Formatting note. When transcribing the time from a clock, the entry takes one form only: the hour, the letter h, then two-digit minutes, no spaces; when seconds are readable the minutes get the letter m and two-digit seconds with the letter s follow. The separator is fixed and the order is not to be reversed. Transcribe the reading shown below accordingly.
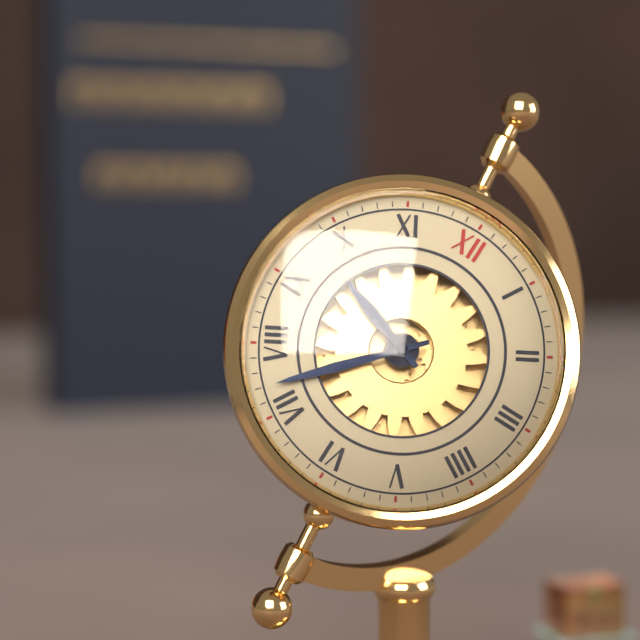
9h37
